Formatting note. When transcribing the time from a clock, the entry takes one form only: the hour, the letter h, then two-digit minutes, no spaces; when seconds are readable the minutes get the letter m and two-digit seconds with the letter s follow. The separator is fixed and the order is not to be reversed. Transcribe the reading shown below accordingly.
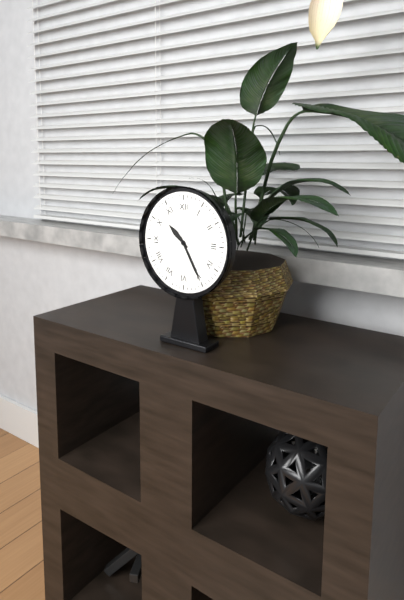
10h25
